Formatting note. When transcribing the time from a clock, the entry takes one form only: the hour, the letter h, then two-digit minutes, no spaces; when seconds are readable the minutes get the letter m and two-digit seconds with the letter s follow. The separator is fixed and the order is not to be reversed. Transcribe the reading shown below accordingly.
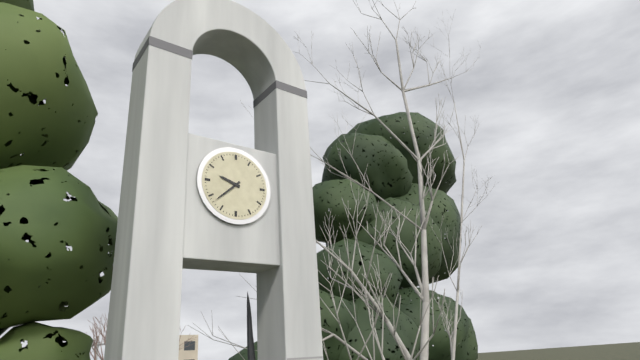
9h38
